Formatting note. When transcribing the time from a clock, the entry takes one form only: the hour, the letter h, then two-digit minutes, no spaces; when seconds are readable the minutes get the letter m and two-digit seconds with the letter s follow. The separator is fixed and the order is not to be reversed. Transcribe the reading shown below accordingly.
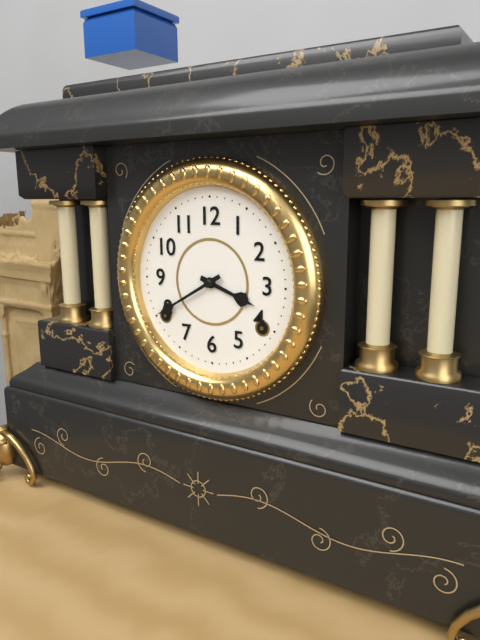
3h40
